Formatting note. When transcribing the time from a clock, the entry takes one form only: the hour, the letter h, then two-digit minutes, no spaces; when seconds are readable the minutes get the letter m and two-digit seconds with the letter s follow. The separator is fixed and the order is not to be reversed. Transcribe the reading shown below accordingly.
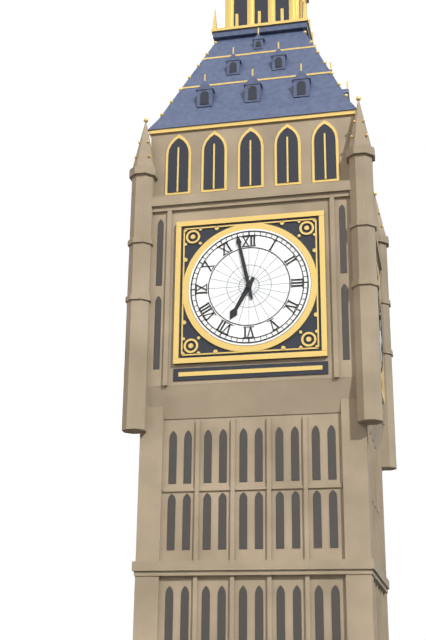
6h58
